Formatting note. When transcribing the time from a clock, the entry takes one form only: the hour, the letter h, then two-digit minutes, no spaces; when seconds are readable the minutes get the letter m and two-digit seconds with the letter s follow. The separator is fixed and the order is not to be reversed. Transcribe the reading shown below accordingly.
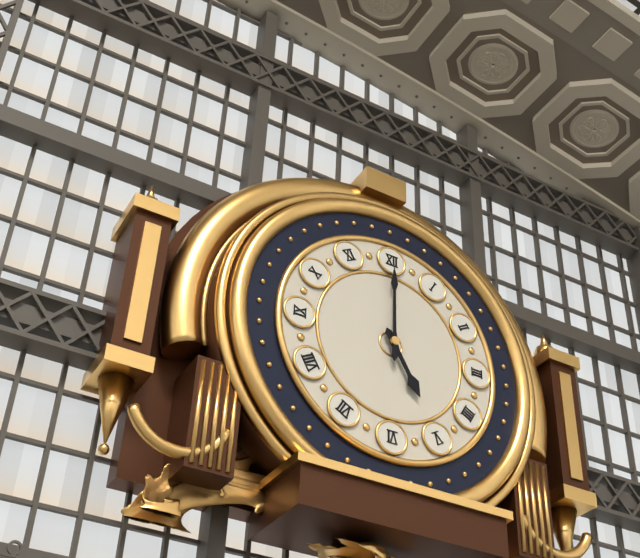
5h00
